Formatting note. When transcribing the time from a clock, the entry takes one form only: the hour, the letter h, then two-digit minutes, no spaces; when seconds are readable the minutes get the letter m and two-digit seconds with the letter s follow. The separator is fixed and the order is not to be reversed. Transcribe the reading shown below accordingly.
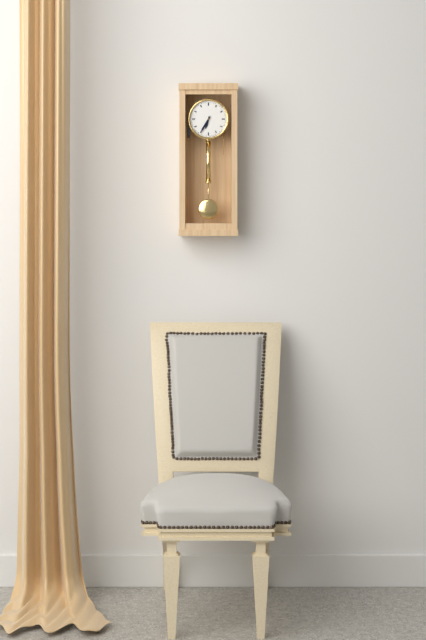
6h35
